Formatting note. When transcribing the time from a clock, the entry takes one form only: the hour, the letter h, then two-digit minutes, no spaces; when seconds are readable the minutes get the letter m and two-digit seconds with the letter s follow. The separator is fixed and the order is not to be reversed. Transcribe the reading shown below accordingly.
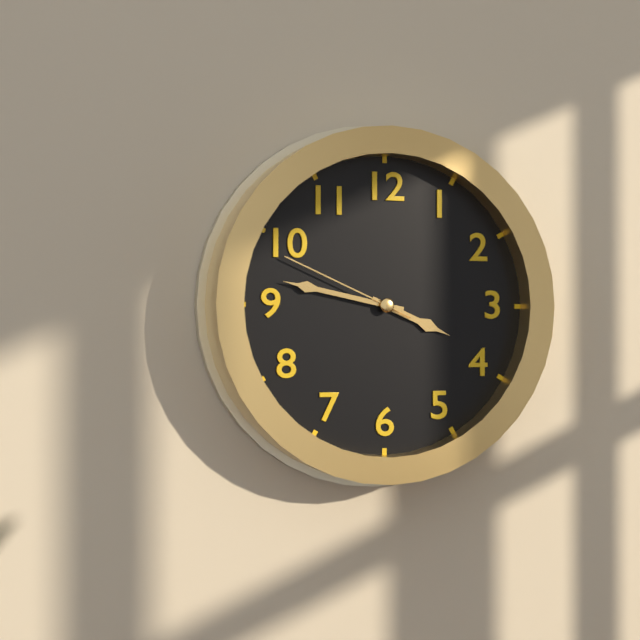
3h47m49s
